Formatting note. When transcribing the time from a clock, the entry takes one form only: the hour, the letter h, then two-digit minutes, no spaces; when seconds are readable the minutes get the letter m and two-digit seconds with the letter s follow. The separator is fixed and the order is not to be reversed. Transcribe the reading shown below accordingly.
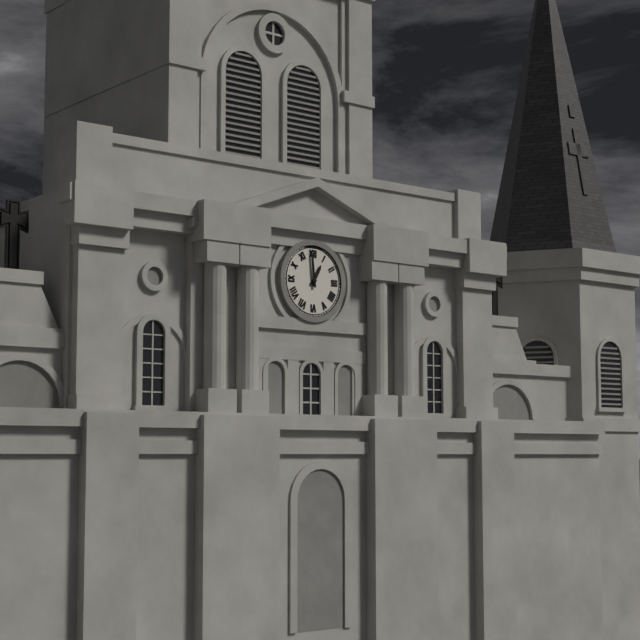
12h59
